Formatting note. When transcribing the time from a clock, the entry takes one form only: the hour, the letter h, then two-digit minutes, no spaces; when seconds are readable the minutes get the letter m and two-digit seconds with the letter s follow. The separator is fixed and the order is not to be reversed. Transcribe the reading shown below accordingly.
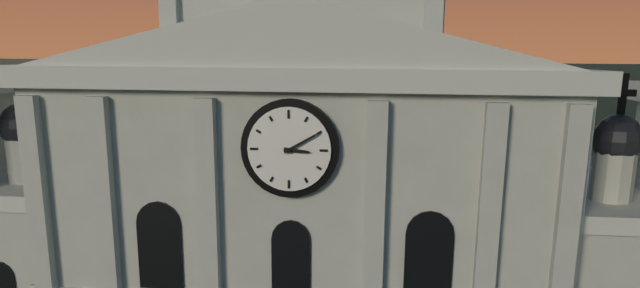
3h10
